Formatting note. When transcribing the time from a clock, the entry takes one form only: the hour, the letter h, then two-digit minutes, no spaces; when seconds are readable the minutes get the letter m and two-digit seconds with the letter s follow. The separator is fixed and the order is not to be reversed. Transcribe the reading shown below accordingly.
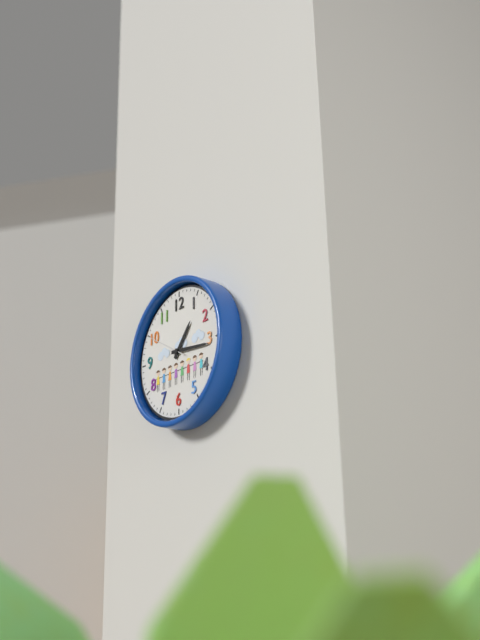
1h16
